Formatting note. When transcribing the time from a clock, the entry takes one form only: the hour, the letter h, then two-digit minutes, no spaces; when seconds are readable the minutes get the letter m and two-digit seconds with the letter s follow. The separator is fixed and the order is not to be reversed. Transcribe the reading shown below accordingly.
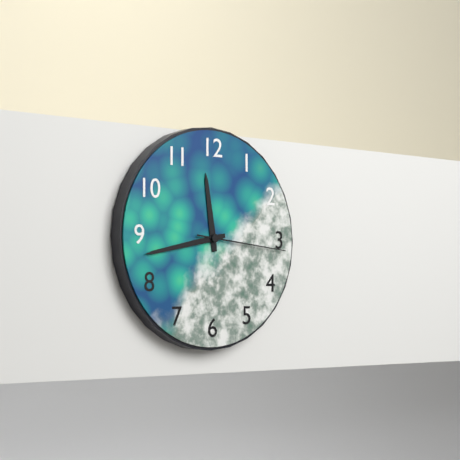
11h43m16s
